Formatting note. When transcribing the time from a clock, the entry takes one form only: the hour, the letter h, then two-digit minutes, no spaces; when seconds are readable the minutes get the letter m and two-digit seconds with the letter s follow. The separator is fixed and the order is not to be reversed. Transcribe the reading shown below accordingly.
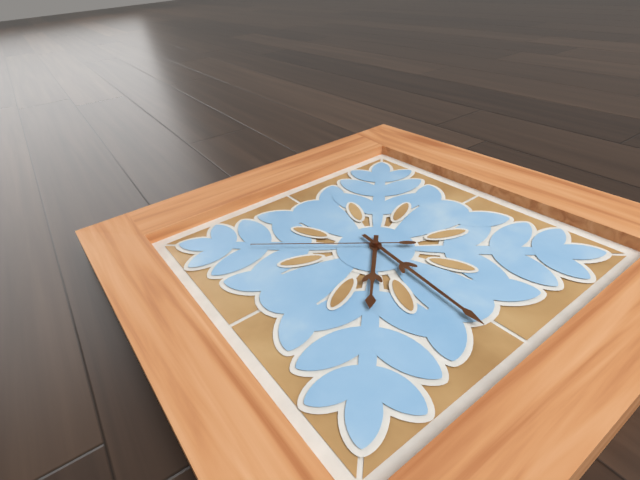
7h31m52s
